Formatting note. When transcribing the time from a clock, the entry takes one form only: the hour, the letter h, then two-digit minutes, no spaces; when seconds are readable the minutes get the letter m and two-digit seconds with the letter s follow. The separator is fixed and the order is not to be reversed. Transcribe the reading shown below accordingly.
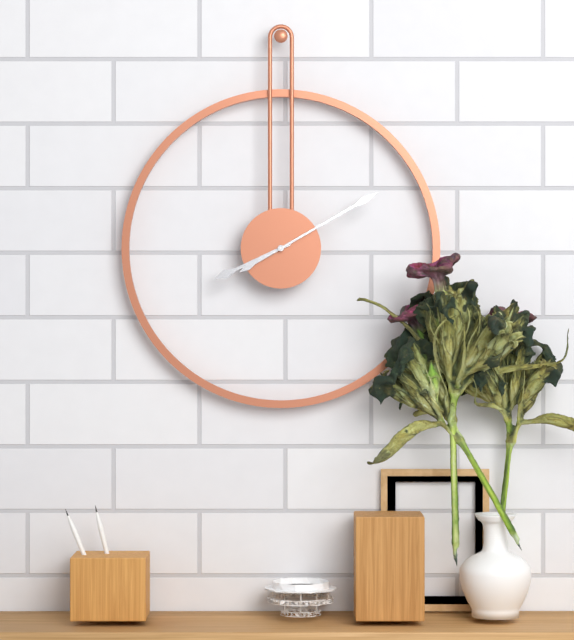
8h10
